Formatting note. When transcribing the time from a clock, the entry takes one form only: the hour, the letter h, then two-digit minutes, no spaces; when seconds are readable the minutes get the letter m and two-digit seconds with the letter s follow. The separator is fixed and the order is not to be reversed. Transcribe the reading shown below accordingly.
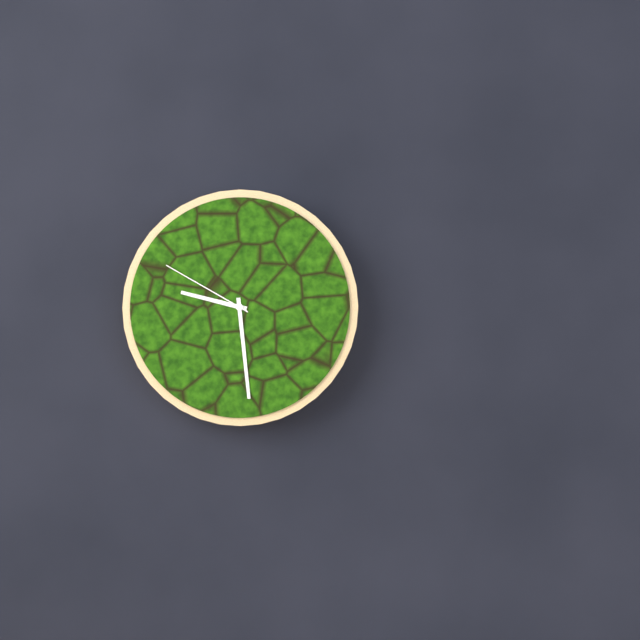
9h29m50s
